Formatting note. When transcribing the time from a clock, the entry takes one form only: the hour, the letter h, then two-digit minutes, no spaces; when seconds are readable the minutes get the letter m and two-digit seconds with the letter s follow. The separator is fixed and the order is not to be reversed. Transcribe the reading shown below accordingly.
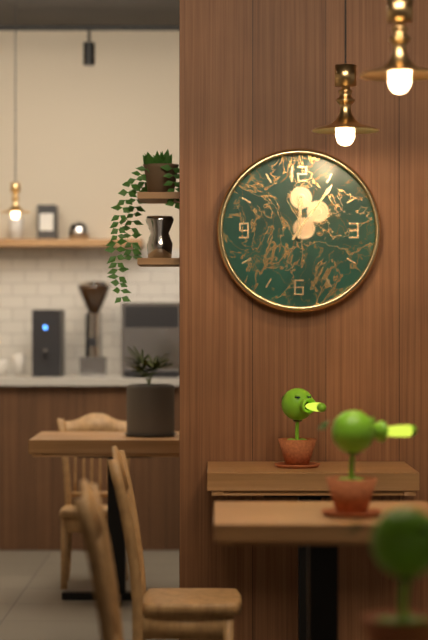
12h06
